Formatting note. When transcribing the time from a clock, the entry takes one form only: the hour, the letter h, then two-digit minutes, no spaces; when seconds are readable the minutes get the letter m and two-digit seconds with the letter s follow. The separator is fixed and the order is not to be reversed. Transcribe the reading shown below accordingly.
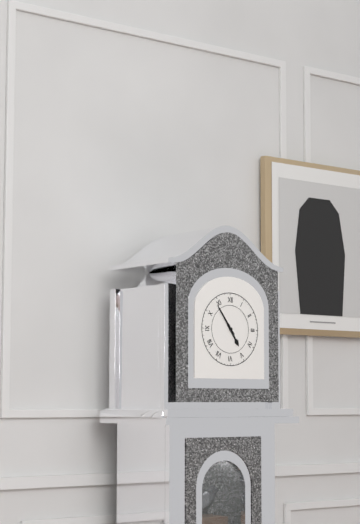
4h54
